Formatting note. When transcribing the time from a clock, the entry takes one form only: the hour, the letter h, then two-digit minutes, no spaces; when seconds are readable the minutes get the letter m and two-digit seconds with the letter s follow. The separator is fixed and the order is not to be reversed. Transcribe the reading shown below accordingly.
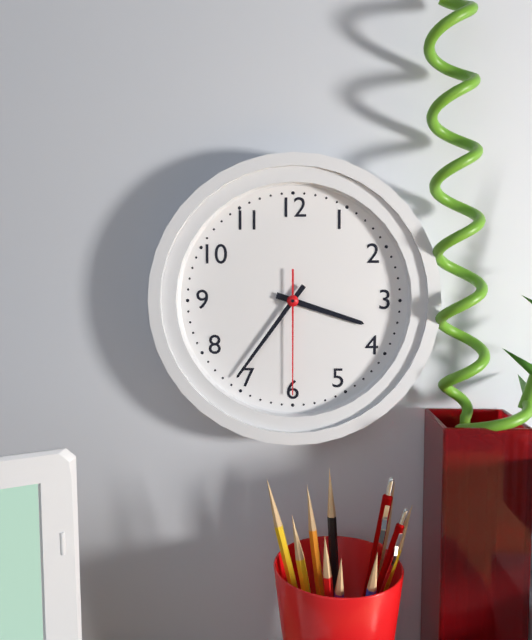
3h36m30s
